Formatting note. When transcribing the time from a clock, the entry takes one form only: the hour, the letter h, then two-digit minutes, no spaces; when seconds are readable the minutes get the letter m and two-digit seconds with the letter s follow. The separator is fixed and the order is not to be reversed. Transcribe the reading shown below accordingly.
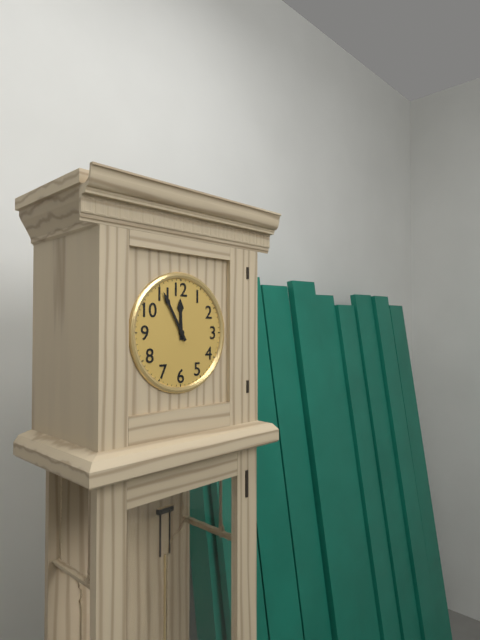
11h55
